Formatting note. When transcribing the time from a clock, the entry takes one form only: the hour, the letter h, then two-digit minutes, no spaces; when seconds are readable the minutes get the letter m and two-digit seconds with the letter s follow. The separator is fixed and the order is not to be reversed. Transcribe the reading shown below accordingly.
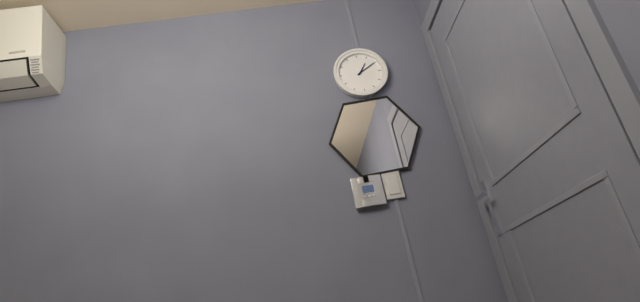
1h10
